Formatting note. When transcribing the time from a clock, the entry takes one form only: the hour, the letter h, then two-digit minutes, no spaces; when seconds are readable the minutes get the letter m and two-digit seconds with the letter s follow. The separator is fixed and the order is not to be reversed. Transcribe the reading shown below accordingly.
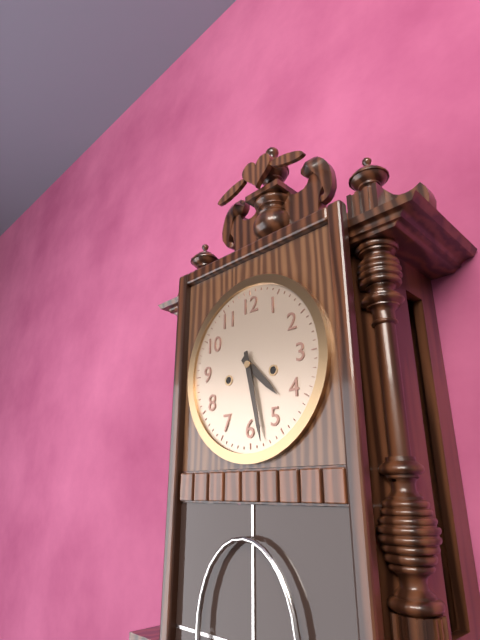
4h28
